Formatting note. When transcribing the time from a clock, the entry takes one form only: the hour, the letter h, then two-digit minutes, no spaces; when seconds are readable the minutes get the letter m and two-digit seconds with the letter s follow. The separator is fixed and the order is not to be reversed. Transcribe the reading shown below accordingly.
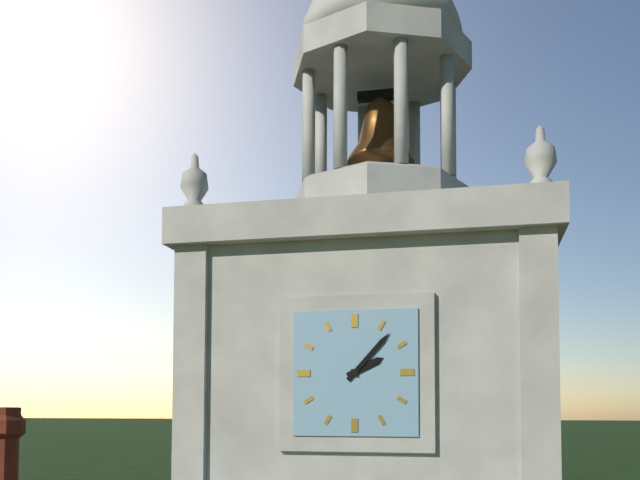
2h07
